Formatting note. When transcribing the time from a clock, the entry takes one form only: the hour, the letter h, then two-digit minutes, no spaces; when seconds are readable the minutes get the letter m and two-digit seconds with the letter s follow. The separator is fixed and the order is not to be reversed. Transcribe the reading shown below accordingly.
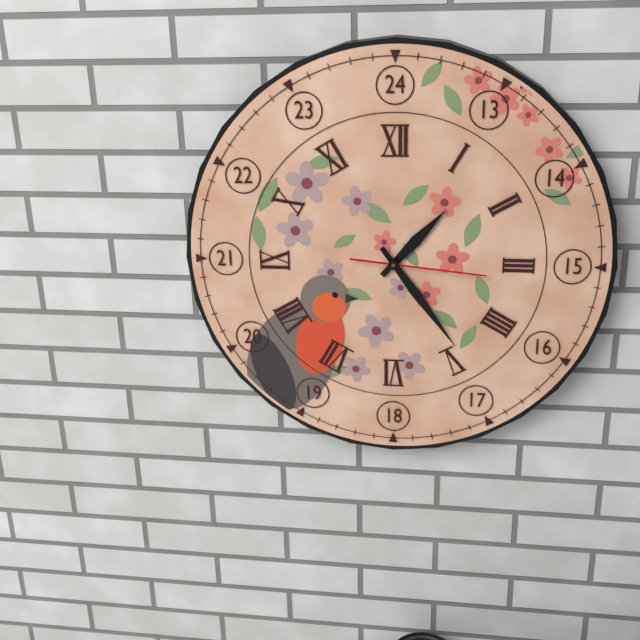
1h24m16s
